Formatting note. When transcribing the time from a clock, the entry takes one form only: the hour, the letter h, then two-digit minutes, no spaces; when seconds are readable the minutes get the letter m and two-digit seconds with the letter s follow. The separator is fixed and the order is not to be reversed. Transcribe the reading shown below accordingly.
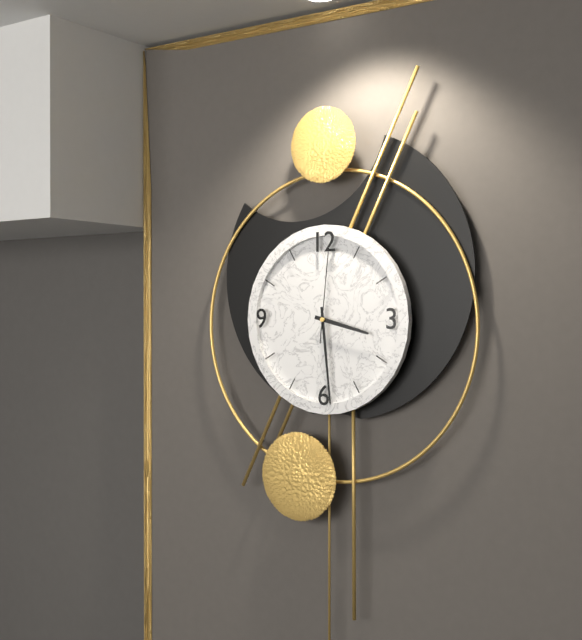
3h29m01s
